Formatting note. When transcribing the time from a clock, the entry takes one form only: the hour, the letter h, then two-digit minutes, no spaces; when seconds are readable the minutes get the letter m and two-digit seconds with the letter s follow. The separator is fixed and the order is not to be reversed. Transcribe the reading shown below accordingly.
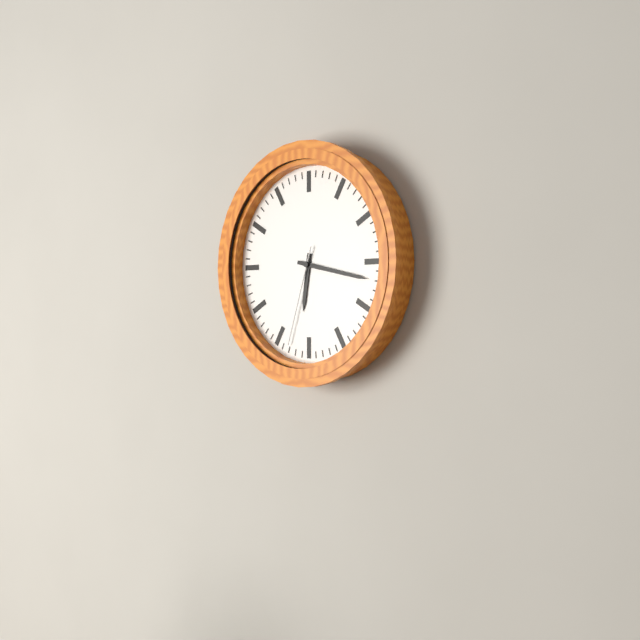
6h17m33s
